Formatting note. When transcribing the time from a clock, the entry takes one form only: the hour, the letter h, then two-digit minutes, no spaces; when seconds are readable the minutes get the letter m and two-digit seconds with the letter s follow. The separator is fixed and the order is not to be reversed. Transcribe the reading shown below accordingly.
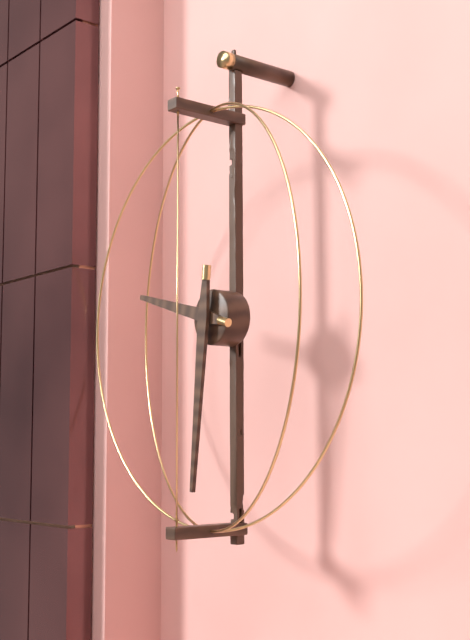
9h31
